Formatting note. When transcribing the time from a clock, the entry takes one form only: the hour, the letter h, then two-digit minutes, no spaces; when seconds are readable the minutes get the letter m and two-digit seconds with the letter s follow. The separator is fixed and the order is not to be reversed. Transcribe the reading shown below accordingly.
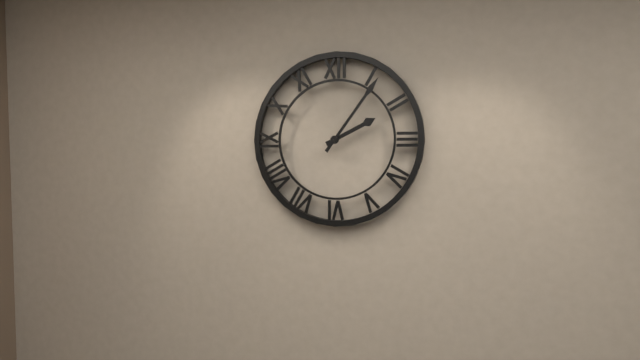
2h06
